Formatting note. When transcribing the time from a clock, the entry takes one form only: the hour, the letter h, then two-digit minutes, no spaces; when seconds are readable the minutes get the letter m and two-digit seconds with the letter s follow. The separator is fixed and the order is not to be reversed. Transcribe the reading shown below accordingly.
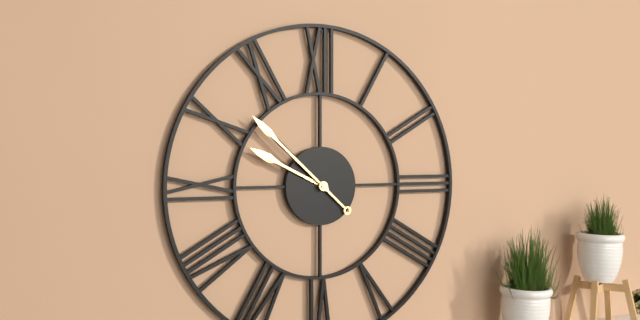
9h52
